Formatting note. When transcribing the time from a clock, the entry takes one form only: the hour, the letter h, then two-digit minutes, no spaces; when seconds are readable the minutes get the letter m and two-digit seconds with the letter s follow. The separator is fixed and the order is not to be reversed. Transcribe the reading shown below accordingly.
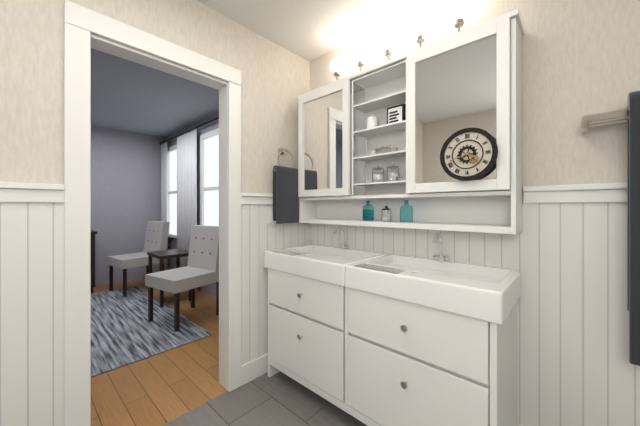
3h42
